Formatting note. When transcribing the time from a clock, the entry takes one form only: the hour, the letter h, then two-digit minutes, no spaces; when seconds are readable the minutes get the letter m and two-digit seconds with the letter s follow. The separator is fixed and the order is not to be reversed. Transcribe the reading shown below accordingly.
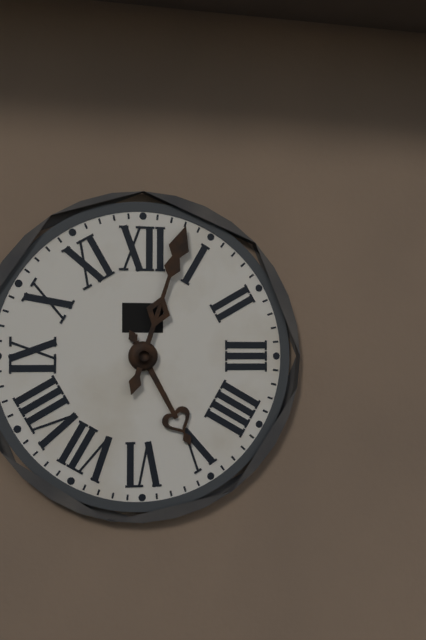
5h03
